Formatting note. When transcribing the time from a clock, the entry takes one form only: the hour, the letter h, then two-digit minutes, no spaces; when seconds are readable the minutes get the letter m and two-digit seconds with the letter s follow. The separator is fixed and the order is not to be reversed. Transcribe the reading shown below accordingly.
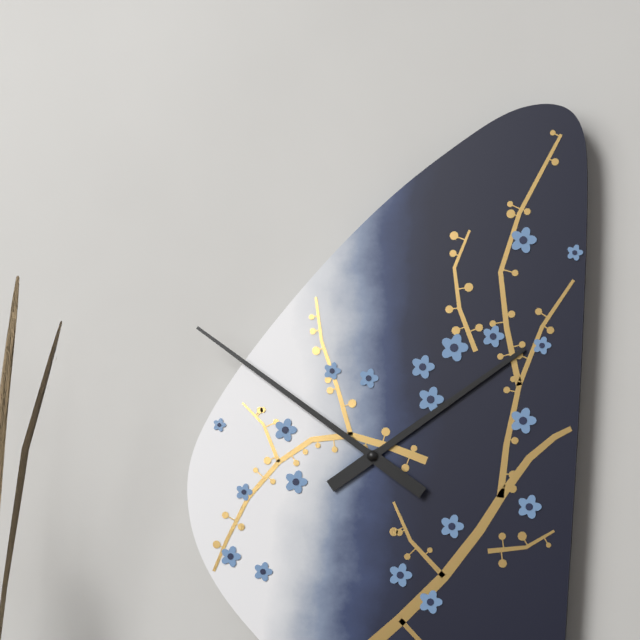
1h51
